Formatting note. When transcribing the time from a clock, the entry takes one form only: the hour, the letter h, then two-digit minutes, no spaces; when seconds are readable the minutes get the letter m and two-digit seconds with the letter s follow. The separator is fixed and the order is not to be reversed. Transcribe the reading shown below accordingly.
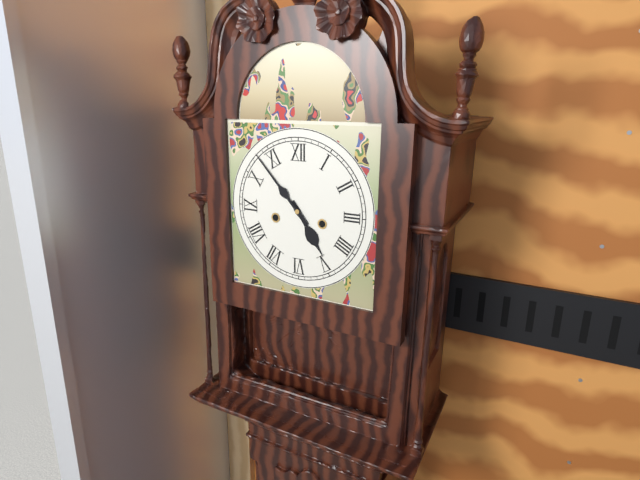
4h53
